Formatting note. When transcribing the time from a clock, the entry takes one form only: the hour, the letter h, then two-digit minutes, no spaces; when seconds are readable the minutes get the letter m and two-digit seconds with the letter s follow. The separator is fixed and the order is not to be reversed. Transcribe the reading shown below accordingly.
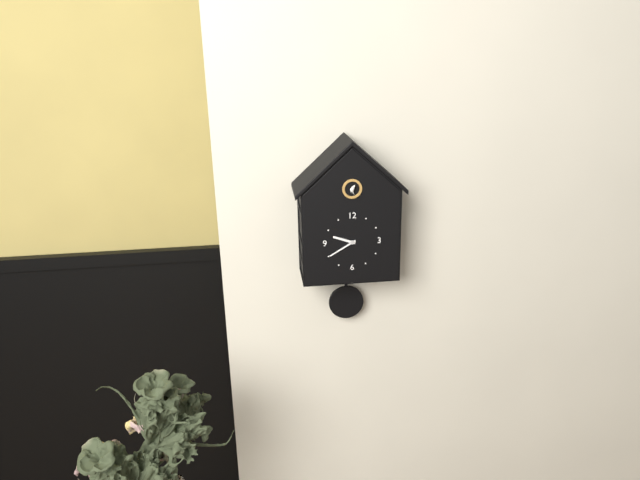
9h40
